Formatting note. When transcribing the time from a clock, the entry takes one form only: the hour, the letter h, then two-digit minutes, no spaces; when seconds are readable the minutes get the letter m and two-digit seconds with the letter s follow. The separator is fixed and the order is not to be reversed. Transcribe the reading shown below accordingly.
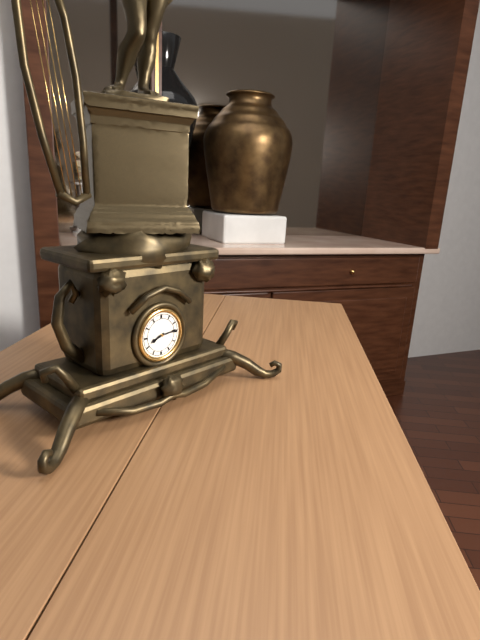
8h14
